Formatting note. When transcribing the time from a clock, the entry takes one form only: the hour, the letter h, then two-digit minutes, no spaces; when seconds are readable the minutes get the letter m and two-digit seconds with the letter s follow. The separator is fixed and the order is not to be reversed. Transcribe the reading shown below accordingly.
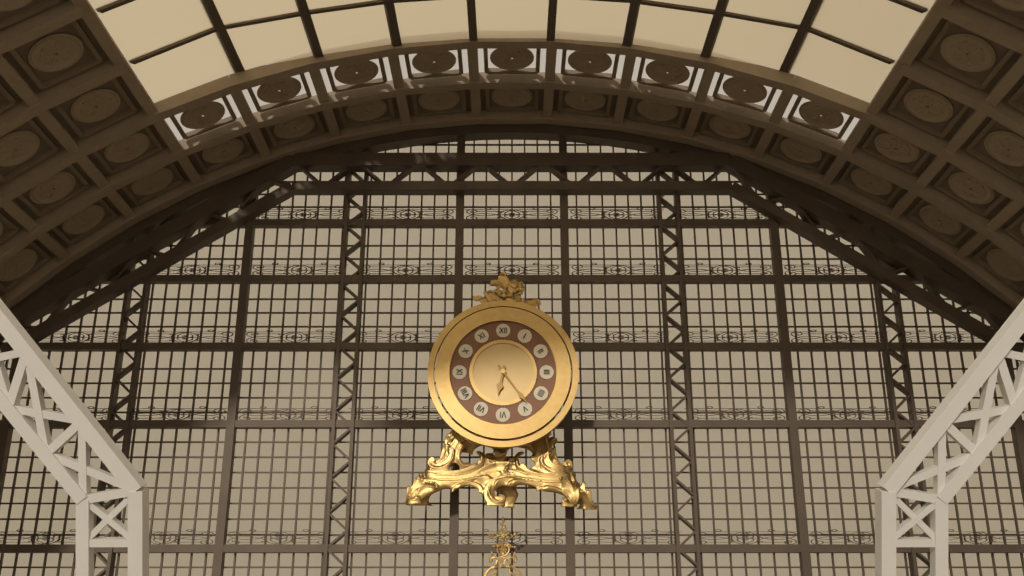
6h24
